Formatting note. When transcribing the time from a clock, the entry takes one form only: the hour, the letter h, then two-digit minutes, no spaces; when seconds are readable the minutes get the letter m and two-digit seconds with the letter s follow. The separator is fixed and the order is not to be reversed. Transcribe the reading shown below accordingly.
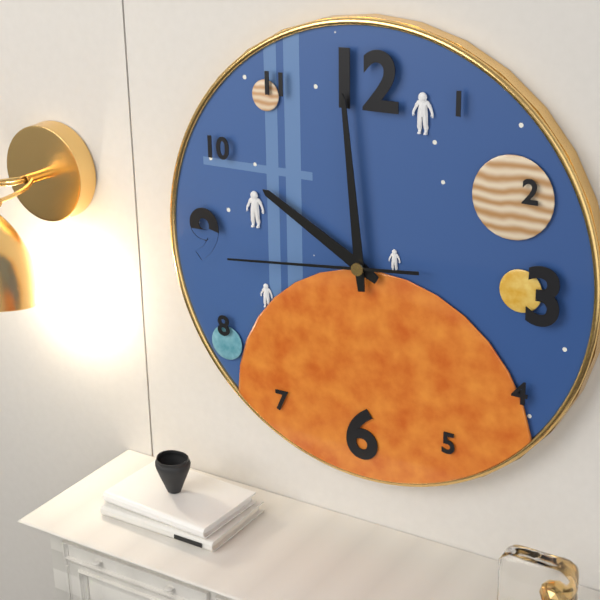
9h59m44s
